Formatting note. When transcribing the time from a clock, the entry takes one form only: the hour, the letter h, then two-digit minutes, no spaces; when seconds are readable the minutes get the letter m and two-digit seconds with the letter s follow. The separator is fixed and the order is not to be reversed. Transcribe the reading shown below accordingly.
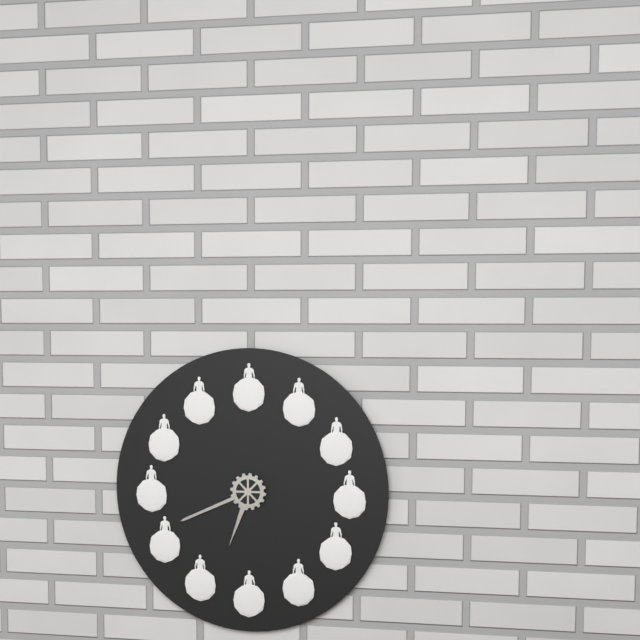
6h41
